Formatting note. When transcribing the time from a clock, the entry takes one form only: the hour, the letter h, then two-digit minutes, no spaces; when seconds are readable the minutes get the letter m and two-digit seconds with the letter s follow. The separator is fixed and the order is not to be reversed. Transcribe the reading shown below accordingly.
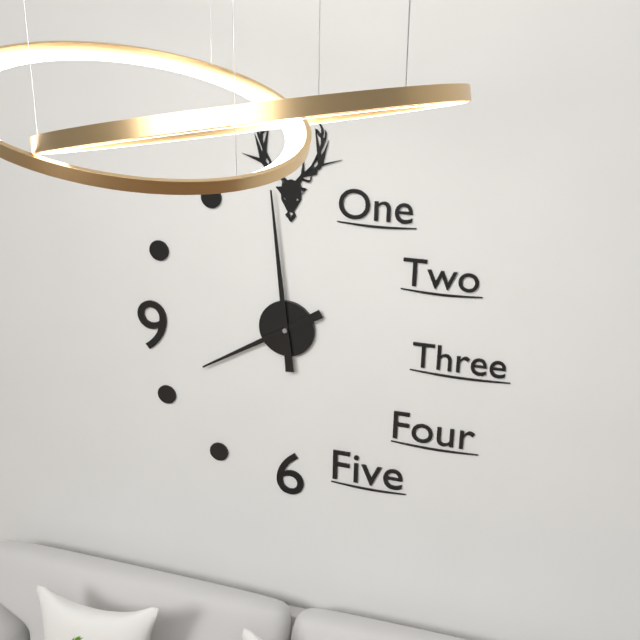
7h59
